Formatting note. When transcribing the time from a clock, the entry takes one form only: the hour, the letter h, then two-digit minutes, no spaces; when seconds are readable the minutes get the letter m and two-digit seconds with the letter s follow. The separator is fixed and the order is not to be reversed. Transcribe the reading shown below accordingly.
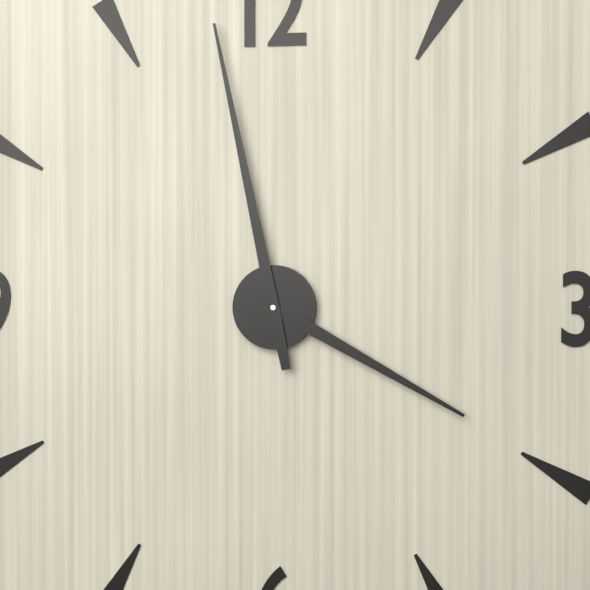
3h58
